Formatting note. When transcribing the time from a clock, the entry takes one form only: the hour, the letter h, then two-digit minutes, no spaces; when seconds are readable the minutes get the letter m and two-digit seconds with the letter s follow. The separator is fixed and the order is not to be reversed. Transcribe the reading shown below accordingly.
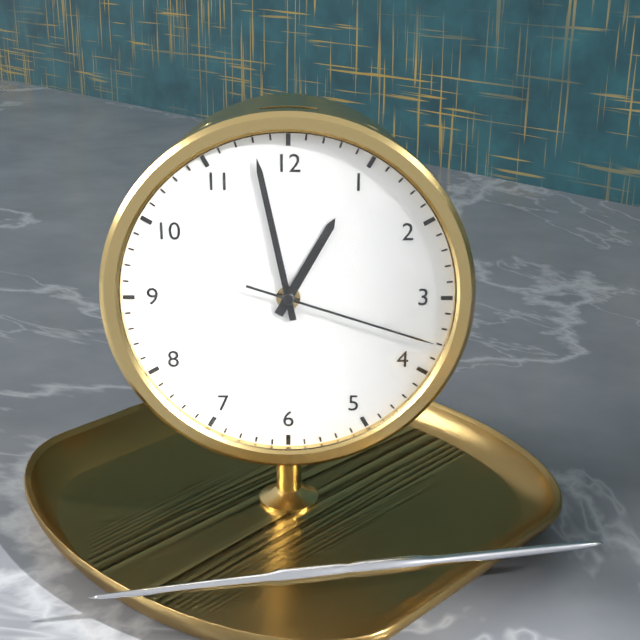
12h58m18s
